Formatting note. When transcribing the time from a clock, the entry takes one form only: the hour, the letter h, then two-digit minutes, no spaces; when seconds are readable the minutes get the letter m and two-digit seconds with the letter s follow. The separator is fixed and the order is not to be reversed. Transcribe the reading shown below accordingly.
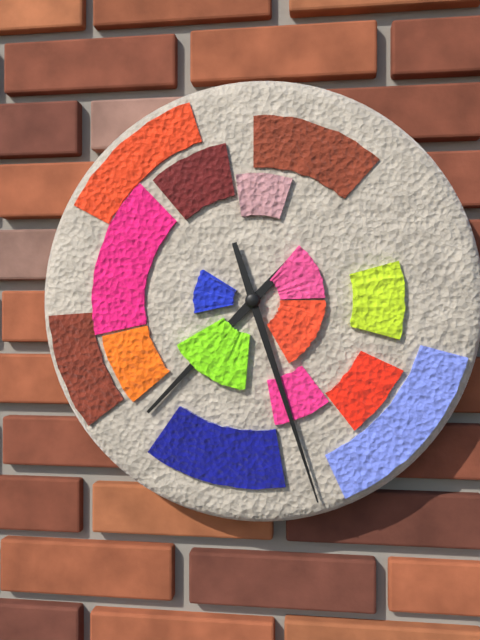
7h27
